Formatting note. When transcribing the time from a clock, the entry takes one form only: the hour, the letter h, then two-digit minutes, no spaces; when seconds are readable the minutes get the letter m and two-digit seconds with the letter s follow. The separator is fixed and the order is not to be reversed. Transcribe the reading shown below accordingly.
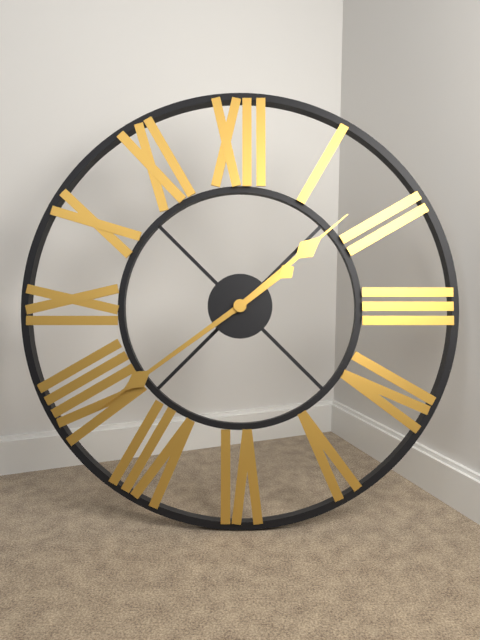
1h39
